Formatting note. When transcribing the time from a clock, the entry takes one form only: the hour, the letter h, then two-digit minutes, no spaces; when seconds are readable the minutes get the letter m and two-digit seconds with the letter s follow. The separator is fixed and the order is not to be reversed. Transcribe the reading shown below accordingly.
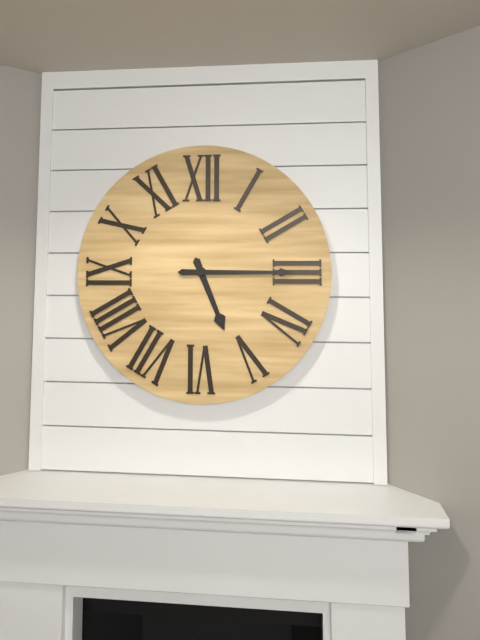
5h15
